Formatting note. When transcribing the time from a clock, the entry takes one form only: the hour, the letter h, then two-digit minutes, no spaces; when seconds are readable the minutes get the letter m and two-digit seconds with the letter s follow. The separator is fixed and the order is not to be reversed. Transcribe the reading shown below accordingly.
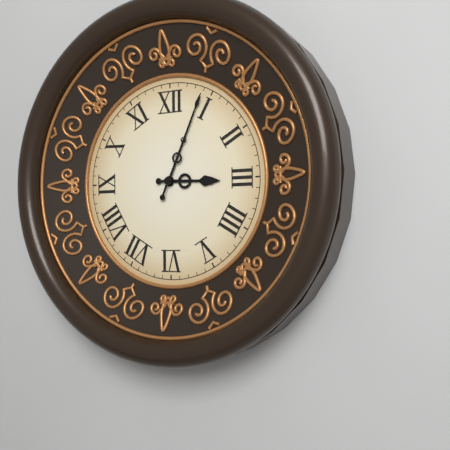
3h04
